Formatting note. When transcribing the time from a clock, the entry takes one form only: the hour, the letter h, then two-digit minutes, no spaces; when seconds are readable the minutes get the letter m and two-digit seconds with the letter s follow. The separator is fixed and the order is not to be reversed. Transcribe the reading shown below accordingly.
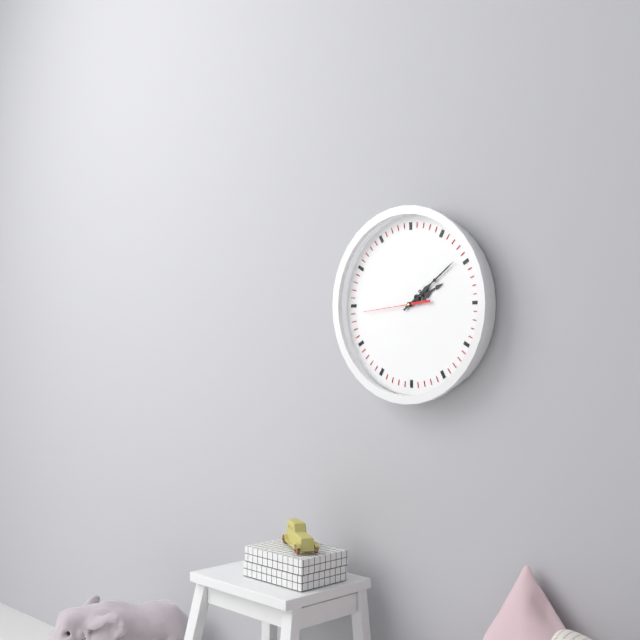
2h09m44s
